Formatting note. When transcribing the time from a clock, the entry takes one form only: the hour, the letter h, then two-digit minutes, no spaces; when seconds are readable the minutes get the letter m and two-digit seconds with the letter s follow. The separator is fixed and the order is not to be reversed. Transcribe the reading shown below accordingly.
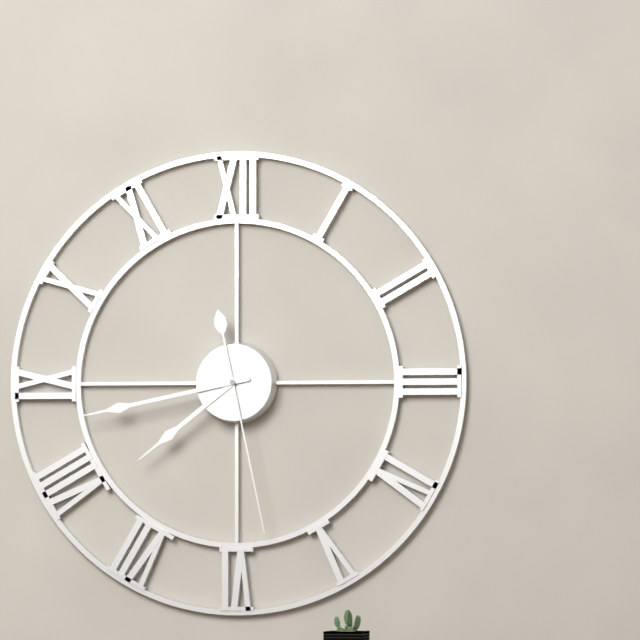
7h43m28s
